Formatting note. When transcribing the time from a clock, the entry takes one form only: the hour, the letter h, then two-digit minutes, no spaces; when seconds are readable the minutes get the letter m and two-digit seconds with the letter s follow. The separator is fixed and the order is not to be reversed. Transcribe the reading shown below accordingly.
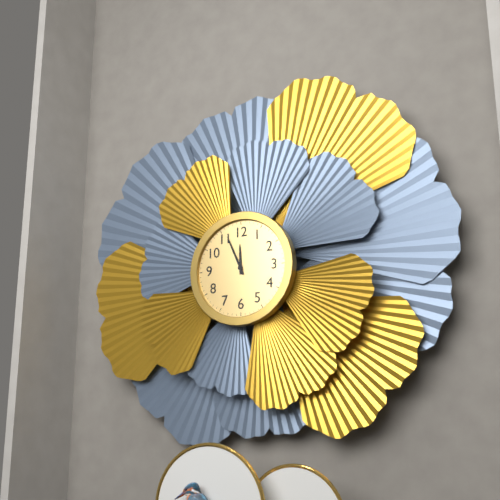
11h56
